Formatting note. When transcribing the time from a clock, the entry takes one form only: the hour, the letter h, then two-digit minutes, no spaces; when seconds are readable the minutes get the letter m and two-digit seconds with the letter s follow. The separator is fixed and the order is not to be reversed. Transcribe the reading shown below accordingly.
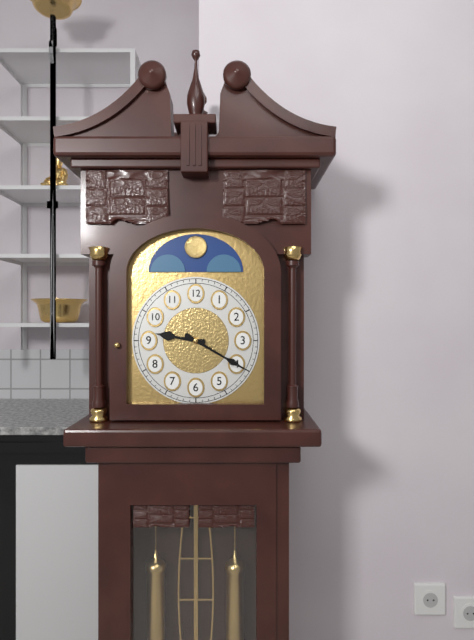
9h20
